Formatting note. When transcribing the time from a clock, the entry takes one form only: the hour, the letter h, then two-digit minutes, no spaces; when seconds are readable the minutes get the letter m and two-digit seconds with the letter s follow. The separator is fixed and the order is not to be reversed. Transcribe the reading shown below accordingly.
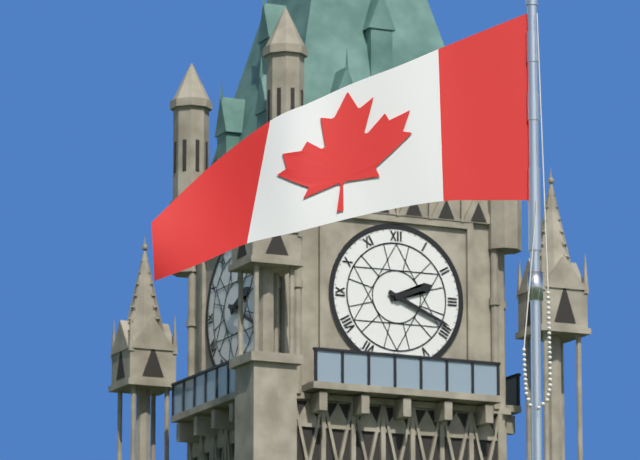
2h19
